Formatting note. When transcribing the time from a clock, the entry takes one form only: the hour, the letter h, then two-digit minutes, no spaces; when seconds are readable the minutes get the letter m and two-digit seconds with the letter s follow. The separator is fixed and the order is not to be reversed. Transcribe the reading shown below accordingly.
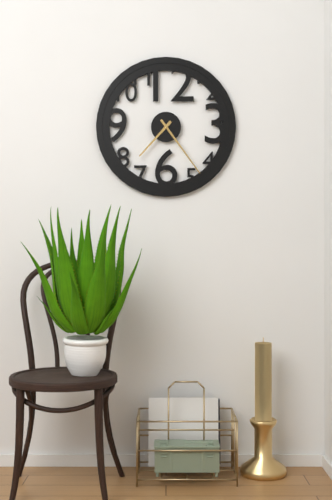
7h24
